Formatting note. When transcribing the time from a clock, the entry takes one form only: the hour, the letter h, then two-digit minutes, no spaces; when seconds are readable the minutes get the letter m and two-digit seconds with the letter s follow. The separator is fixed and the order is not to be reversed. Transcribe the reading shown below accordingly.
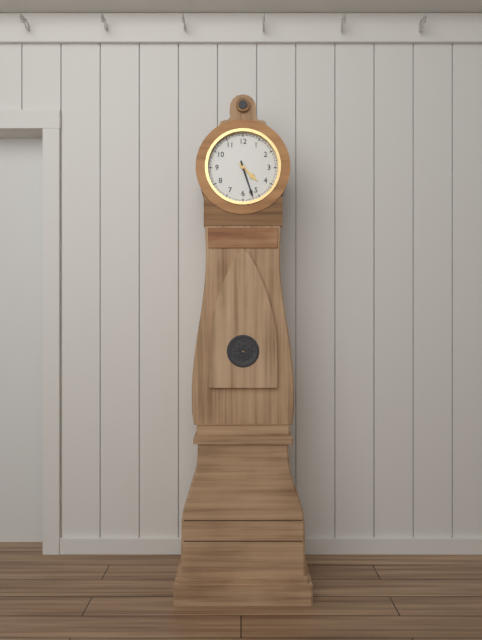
4h27
